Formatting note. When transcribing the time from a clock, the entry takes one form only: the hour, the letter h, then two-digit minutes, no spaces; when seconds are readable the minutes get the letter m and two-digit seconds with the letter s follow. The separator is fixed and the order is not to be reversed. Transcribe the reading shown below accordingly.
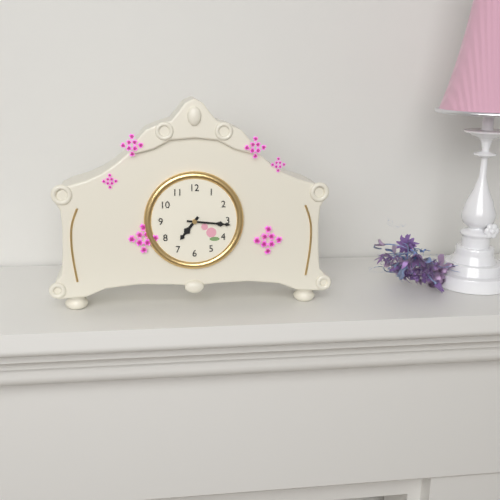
7h16
